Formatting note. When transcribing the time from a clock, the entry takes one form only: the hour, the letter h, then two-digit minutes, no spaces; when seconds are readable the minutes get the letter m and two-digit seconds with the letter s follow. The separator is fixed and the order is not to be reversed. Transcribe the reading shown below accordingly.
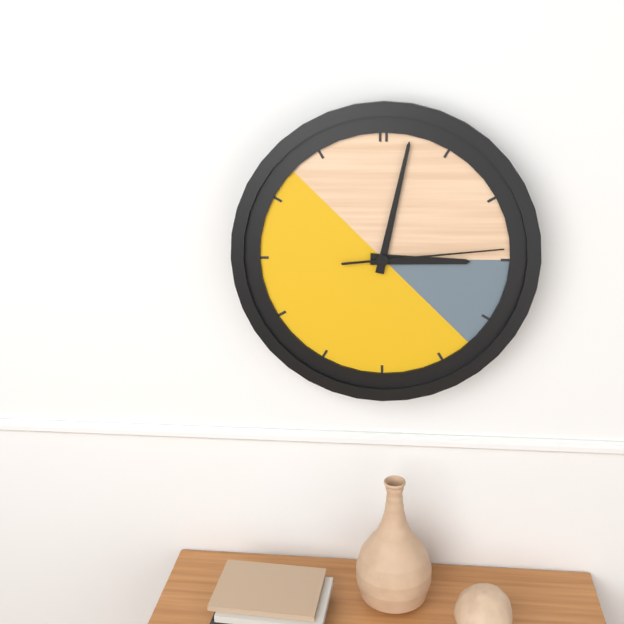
3h02m14s
